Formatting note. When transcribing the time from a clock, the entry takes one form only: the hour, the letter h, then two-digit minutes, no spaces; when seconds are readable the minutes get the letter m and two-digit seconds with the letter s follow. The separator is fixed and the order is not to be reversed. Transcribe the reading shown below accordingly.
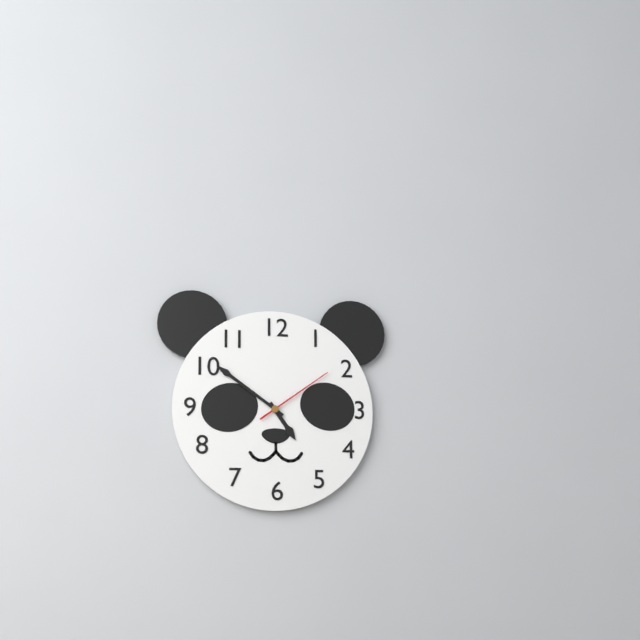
4h51m09s
